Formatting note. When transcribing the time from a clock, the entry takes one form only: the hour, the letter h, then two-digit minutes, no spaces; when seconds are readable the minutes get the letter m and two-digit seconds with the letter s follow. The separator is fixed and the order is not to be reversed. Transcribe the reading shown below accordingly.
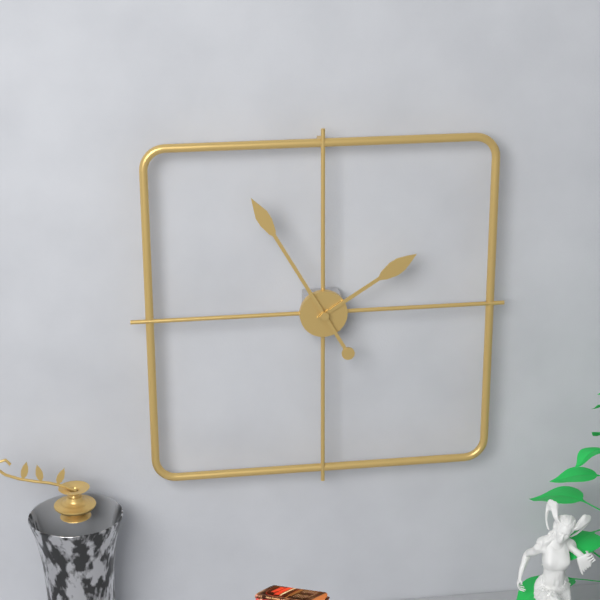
1h55
